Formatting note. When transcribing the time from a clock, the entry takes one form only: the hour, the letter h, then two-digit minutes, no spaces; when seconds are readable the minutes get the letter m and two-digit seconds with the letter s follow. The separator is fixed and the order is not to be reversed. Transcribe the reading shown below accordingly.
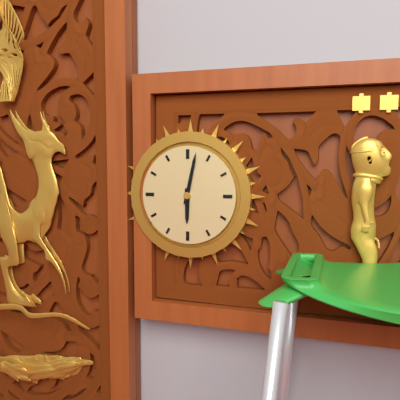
6h02
